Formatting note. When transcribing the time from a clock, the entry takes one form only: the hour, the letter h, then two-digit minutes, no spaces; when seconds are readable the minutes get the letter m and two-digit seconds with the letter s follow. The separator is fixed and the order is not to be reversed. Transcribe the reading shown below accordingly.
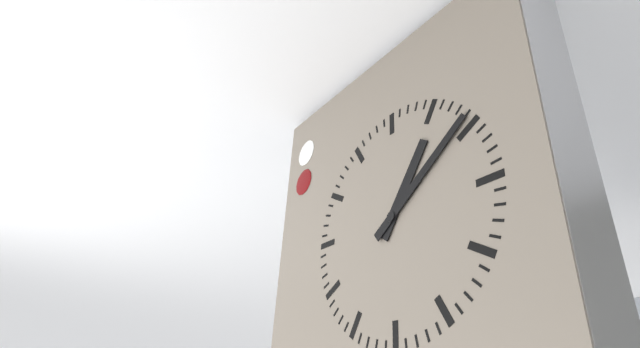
1h09
